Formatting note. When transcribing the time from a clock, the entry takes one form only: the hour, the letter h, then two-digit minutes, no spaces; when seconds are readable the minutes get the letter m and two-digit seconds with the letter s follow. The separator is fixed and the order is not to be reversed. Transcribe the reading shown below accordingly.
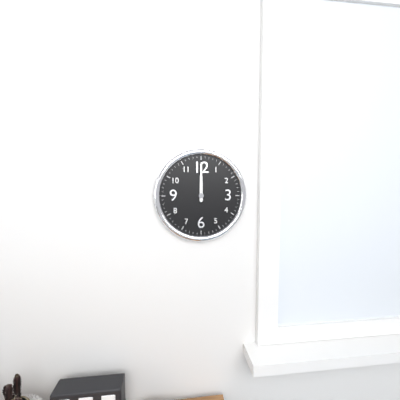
12h00
